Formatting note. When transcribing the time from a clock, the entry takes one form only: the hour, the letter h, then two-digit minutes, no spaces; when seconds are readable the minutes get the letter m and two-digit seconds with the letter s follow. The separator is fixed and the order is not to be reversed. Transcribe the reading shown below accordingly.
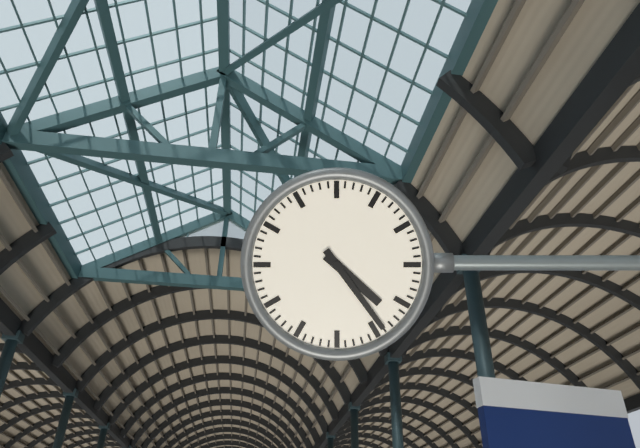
4h24
